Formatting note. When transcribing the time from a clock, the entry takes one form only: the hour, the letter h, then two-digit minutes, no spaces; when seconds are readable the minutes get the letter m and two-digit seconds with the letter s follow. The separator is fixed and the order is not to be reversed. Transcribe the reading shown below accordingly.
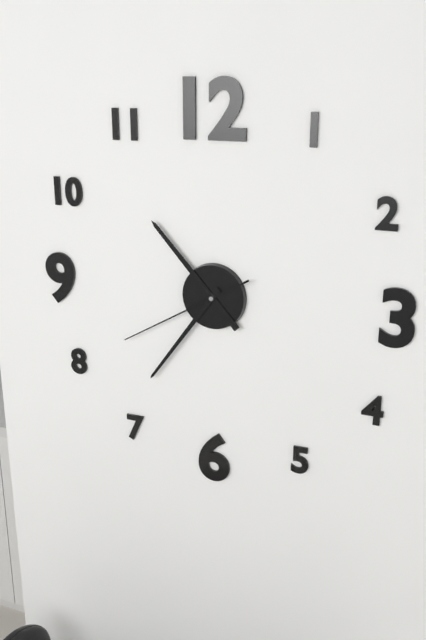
10h36m40s
